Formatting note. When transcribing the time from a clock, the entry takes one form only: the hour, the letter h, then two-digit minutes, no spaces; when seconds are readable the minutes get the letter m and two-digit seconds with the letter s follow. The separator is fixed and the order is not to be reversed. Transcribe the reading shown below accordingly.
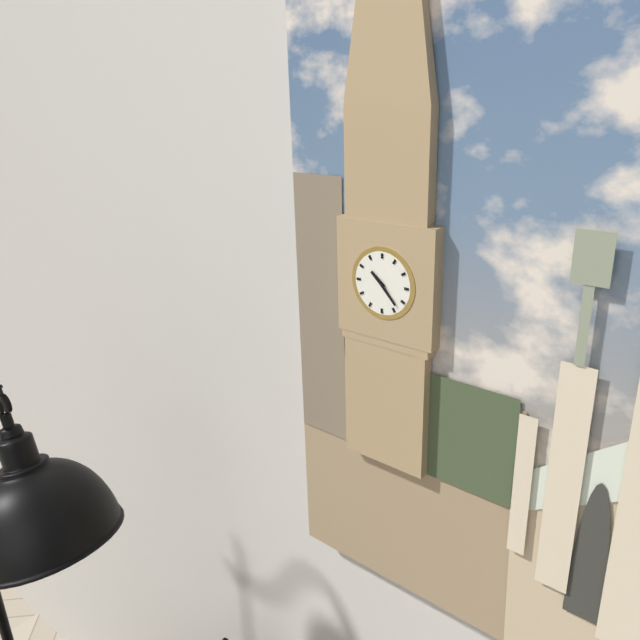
10h23
